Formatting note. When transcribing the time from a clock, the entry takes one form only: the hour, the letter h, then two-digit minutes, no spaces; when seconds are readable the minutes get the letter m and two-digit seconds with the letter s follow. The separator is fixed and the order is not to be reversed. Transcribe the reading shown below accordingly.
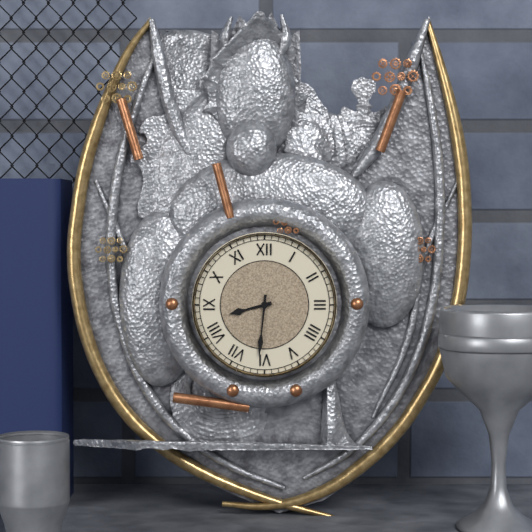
8h31
